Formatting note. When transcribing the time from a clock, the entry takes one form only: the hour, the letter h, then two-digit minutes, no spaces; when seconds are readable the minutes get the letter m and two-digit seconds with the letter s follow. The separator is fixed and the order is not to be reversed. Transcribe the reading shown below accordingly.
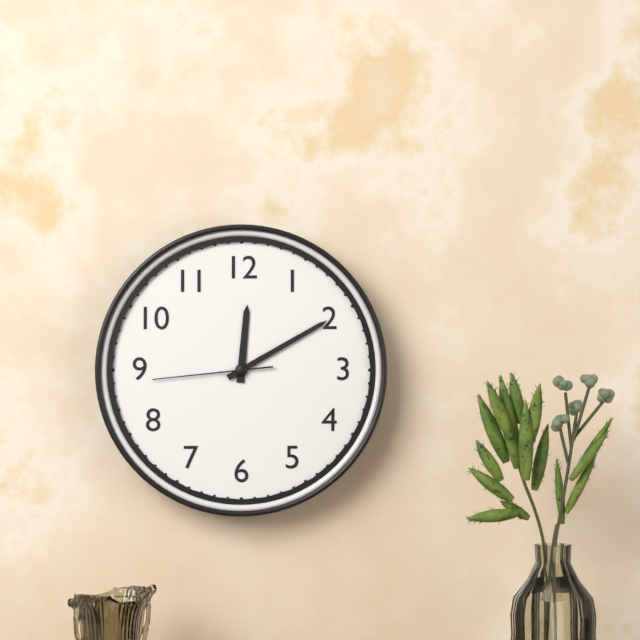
12h10m44s
